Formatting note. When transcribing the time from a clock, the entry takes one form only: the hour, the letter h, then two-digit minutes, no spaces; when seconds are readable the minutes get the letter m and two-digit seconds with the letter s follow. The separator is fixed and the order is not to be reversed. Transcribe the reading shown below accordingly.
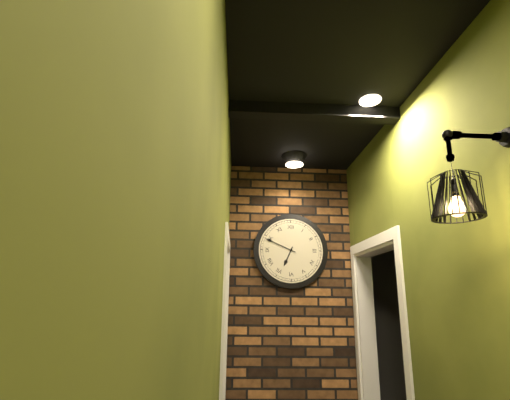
6h49
